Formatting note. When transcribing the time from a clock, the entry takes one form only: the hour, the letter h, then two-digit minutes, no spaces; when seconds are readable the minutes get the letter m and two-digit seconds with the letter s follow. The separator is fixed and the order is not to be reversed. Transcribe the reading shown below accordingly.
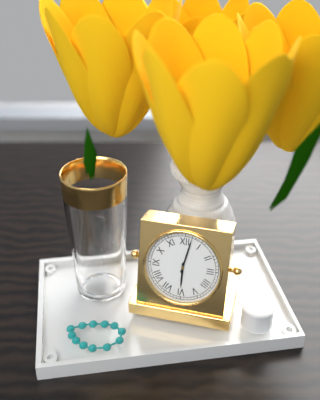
6h02
